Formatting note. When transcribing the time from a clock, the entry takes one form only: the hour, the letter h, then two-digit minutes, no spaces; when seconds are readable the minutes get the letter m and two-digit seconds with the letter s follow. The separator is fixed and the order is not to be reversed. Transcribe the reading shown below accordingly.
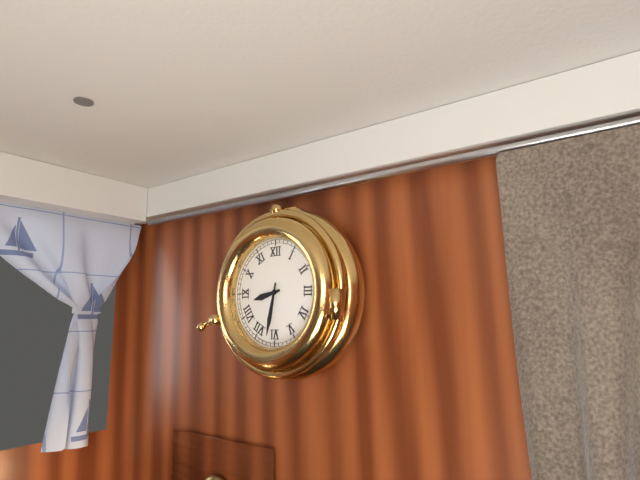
8h32
